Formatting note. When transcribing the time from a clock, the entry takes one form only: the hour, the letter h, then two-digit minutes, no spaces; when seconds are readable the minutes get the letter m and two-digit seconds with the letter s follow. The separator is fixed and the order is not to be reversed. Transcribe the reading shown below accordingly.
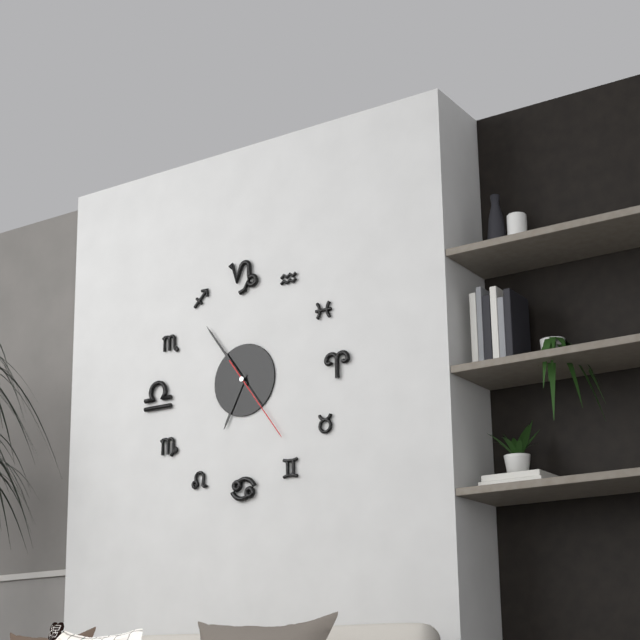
6h54m24s
